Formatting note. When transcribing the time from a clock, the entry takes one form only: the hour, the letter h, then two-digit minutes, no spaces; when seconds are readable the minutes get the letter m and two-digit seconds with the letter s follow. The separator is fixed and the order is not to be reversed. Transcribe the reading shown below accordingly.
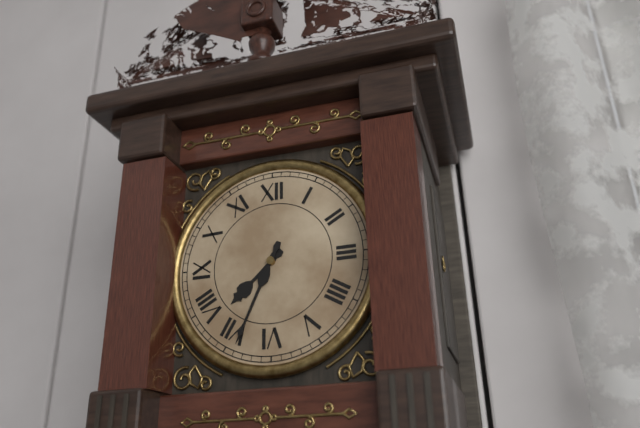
7h34
